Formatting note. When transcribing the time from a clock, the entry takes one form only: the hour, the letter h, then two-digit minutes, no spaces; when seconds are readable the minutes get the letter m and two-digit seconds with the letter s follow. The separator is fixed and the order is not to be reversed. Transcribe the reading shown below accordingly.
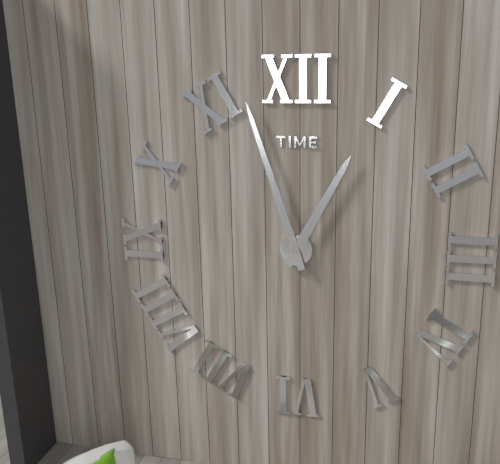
12h57
